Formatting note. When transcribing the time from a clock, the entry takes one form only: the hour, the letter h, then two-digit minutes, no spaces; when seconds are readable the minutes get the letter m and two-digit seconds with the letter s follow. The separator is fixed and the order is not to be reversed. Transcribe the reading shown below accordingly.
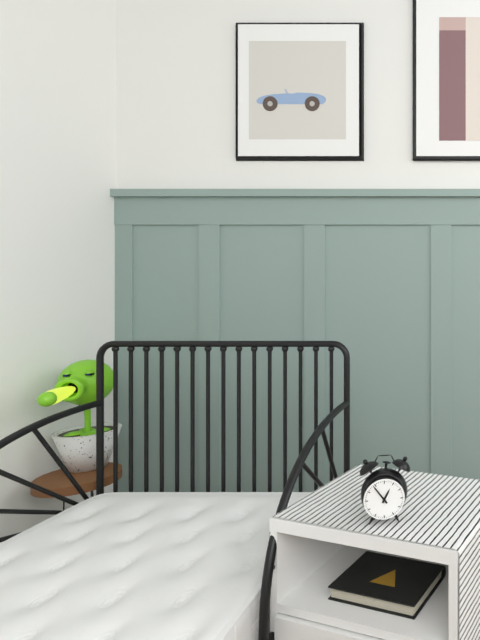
12h54
